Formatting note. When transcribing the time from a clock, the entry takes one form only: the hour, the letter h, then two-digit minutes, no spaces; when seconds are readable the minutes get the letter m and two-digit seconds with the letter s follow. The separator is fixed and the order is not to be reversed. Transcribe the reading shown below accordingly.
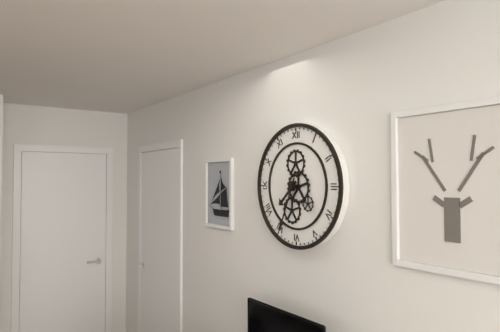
7h34
